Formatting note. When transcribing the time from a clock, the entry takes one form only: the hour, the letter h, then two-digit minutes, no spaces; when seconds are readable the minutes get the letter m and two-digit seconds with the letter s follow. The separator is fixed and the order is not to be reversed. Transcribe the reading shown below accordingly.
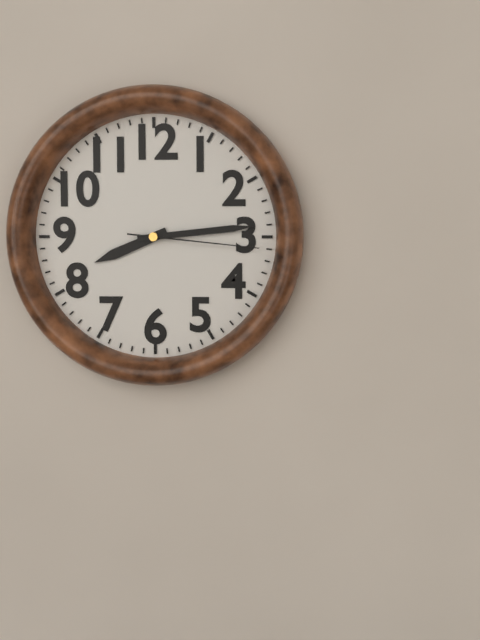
8h14m16s
